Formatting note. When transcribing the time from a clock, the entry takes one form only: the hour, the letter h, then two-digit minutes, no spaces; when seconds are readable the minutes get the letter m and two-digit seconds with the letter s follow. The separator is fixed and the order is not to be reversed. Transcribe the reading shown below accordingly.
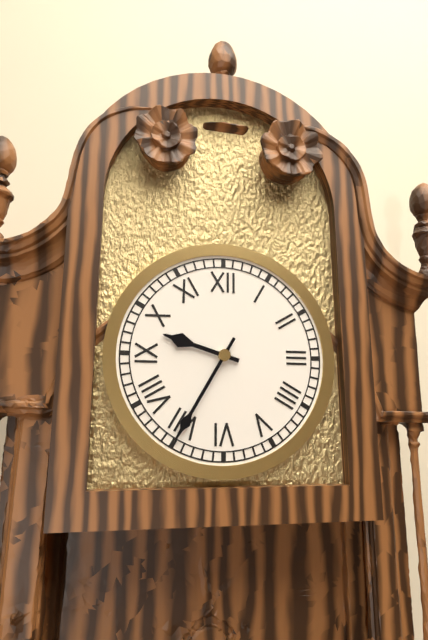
9h35
